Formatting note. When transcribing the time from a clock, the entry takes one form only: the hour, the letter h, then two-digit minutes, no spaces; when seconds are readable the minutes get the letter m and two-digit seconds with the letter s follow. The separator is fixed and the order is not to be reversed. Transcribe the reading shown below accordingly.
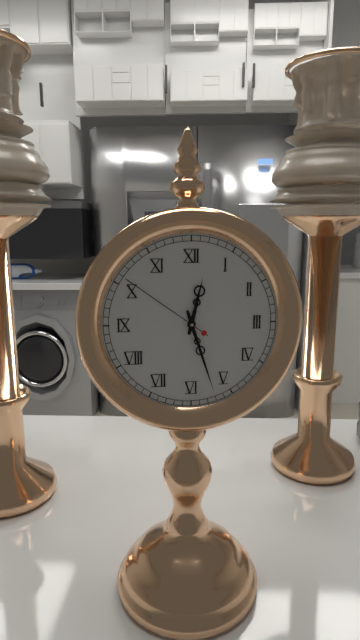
12h27m51s
